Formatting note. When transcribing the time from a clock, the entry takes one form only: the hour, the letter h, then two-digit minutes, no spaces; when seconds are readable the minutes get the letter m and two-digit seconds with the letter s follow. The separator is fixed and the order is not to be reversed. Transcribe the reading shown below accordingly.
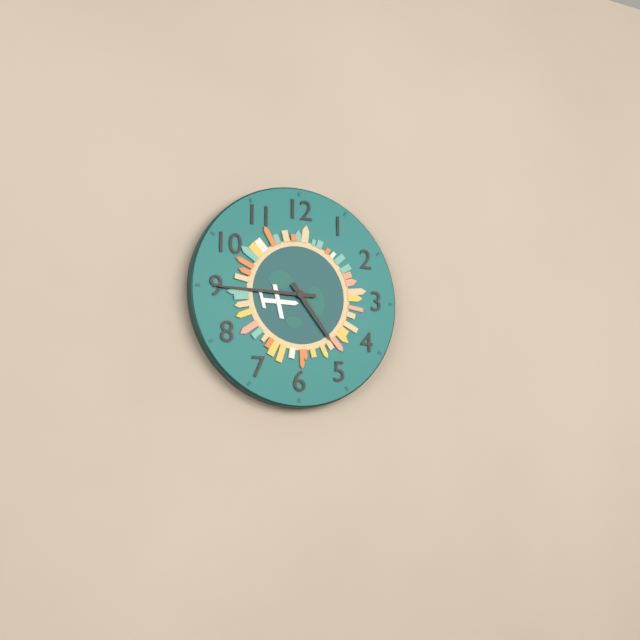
4h45
